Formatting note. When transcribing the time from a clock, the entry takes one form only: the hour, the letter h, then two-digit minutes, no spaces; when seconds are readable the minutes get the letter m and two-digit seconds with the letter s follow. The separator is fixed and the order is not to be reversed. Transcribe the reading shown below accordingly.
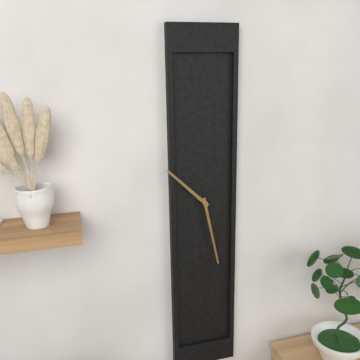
10h28
